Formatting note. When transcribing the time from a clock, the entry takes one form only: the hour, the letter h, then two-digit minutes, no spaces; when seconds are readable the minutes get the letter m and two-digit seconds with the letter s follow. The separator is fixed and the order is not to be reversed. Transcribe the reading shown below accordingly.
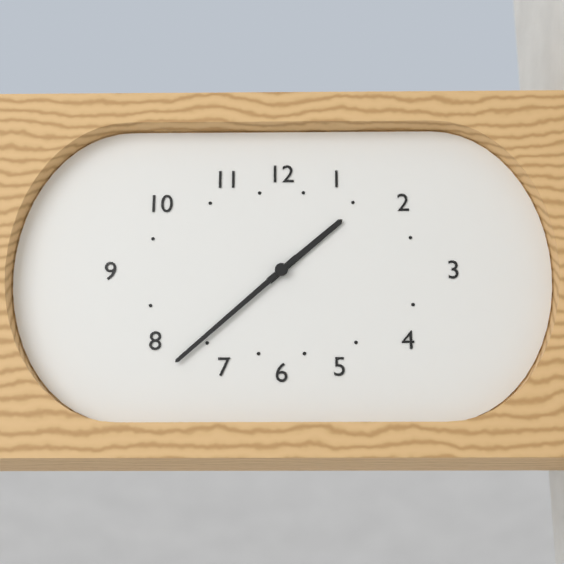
1h38
